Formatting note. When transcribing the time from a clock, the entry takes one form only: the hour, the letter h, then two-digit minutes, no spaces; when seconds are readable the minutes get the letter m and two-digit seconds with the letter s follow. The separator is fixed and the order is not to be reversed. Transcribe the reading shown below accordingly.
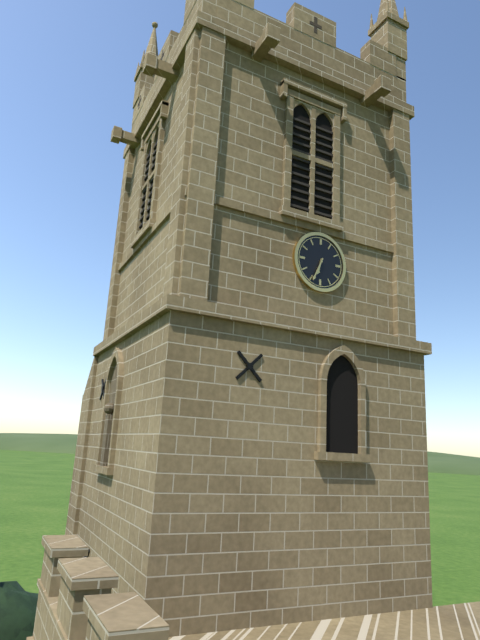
6h34
